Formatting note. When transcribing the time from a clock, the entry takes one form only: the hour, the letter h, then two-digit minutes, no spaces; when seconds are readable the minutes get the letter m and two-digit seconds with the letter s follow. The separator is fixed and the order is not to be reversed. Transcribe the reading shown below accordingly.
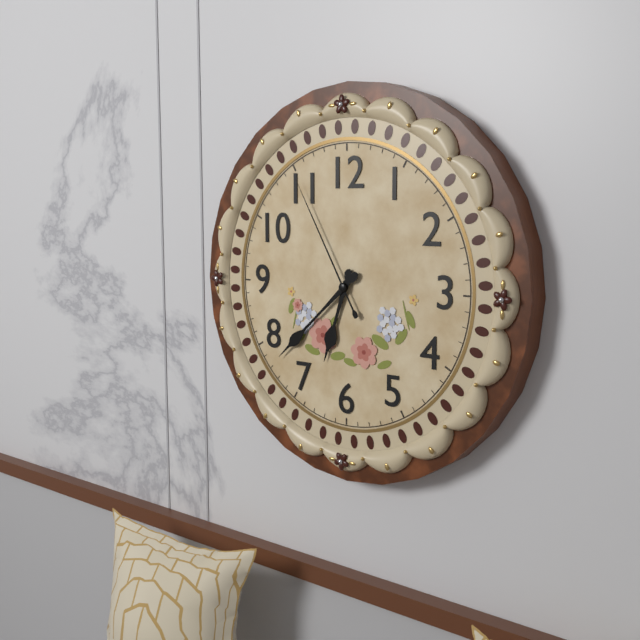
6h38m55s
